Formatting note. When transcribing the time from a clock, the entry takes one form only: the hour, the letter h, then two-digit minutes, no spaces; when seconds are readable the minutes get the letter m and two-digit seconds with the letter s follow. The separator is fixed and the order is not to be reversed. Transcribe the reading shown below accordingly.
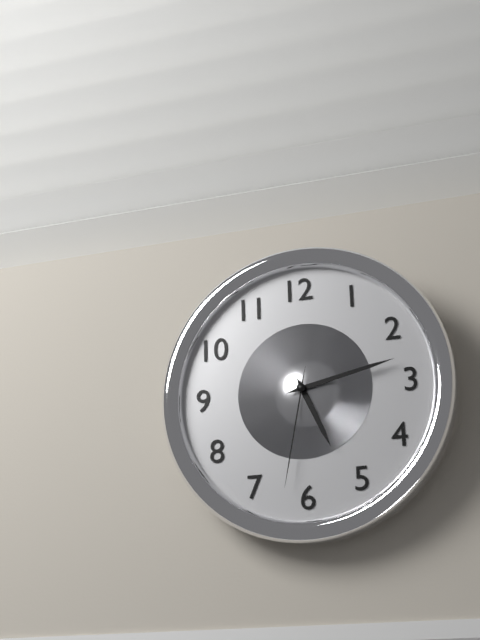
5h13m32s
